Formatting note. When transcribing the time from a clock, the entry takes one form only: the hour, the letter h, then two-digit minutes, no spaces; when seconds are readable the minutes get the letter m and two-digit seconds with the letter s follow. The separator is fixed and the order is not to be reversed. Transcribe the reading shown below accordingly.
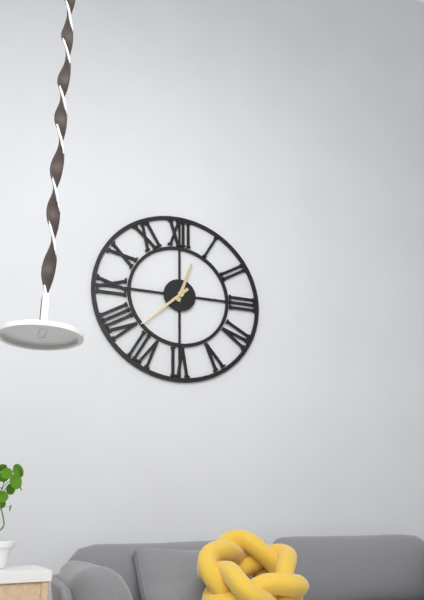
12h38
